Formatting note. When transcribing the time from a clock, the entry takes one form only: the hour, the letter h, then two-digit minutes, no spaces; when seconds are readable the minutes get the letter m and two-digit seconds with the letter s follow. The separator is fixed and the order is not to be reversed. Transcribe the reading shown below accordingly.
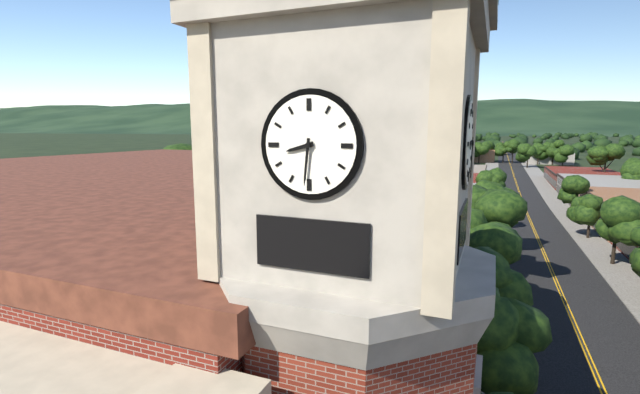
8h31
